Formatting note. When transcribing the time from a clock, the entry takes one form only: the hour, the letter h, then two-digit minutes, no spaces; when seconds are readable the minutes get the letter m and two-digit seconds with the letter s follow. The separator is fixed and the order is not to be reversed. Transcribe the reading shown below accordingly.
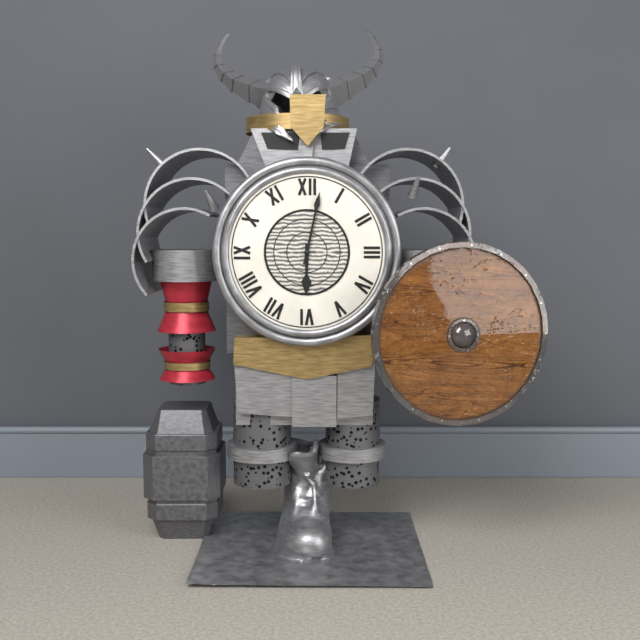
6h02
